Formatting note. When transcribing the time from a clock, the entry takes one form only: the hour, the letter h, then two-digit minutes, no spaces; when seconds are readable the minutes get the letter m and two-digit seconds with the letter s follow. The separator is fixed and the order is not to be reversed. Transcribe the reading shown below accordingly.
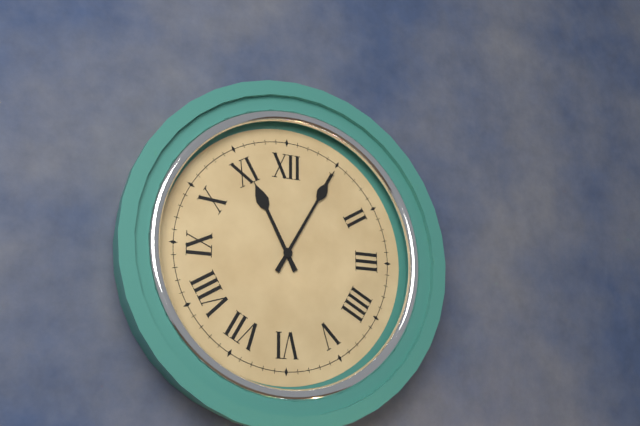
11h05
